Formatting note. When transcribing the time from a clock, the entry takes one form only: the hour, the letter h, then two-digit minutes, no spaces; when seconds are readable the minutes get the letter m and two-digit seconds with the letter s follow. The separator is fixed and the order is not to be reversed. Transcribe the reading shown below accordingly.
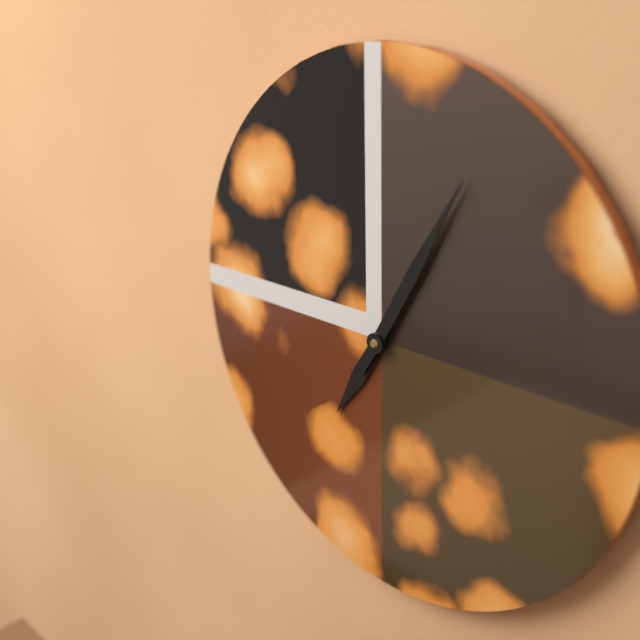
7h05
